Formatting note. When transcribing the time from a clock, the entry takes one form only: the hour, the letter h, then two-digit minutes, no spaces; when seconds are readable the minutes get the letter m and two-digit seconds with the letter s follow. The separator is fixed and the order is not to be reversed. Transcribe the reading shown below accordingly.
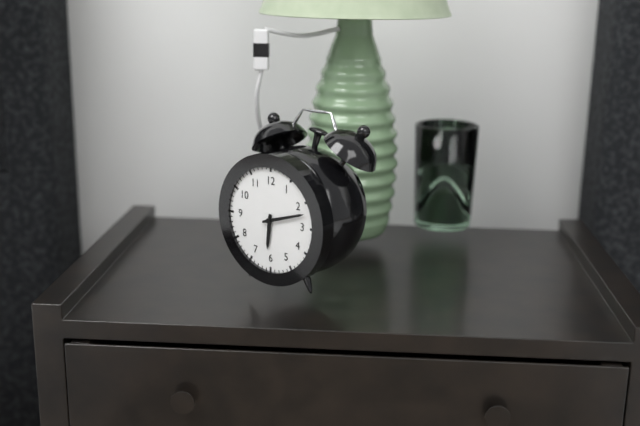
6h12
